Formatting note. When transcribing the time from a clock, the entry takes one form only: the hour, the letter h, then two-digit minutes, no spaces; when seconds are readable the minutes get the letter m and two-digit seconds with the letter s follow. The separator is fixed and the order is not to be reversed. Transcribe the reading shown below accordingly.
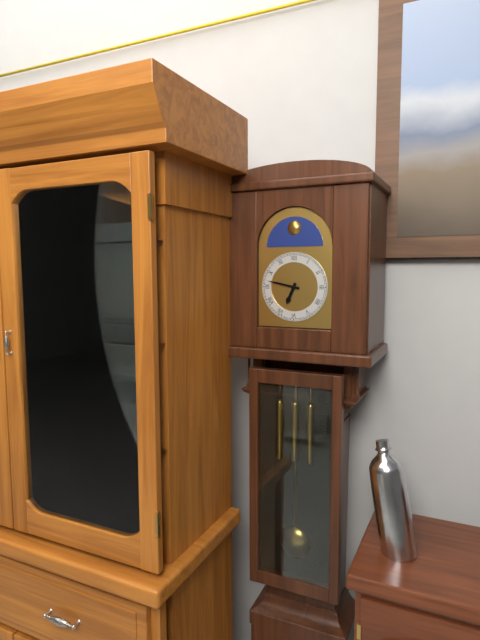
6h47
